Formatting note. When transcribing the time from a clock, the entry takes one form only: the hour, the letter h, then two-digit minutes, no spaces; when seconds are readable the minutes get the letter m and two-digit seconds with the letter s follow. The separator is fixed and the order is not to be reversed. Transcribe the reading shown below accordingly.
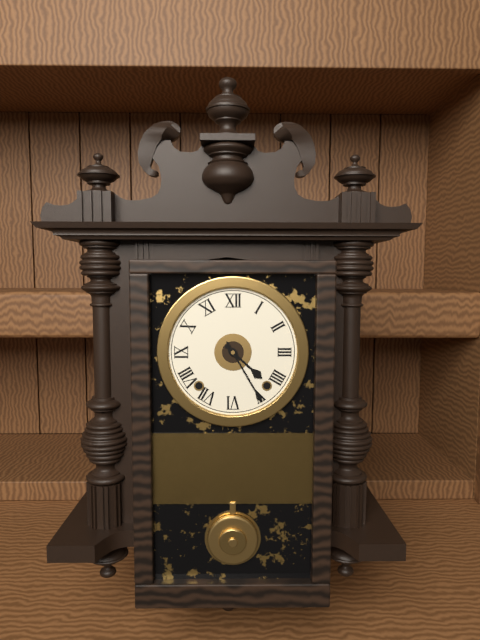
4h25
